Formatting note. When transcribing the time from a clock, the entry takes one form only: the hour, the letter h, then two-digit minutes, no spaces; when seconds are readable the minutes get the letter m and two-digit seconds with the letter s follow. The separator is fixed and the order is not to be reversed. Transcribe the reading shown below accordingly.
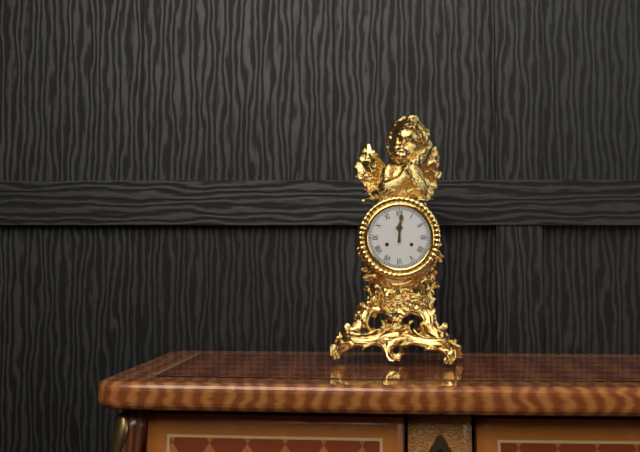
12h01
